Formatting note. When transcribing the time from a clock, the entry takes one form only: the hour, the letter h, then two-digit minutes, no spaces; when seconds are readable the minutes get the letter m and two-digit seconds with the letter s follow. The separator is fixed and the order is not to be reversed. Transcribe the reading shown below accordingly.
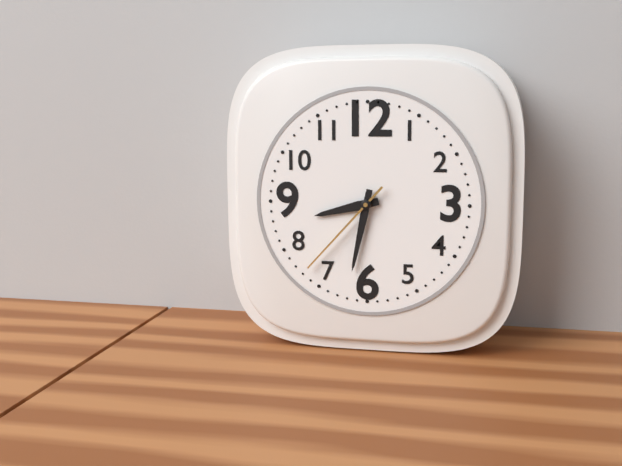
8h32m37s
